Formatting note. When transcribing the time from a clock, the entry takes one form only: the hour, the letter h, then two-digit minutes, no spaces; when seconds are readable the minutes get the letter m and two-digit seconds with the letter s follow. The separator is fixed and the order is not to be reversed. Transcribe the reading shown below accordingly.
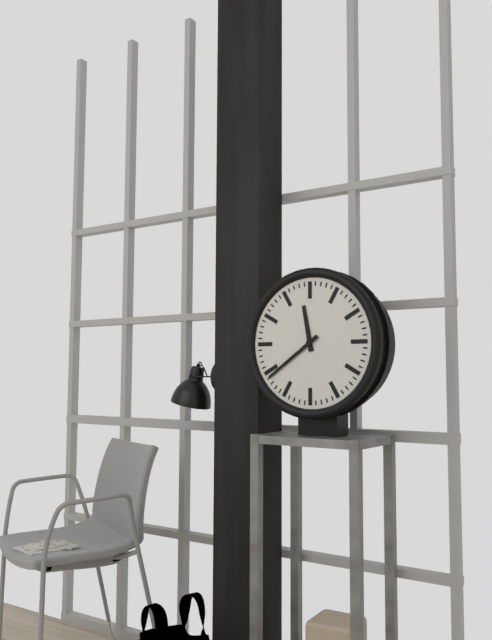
11h39
